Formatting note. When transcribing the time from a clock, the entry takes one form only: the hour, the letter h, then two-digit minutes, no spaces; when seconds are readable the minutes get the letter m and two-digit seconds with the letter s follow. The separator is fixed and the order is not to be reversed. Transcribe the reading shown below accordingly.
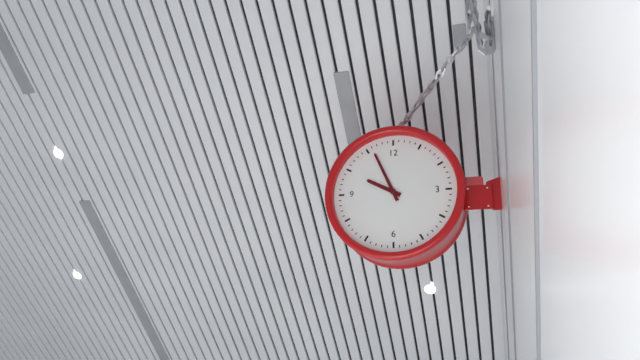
9h56
